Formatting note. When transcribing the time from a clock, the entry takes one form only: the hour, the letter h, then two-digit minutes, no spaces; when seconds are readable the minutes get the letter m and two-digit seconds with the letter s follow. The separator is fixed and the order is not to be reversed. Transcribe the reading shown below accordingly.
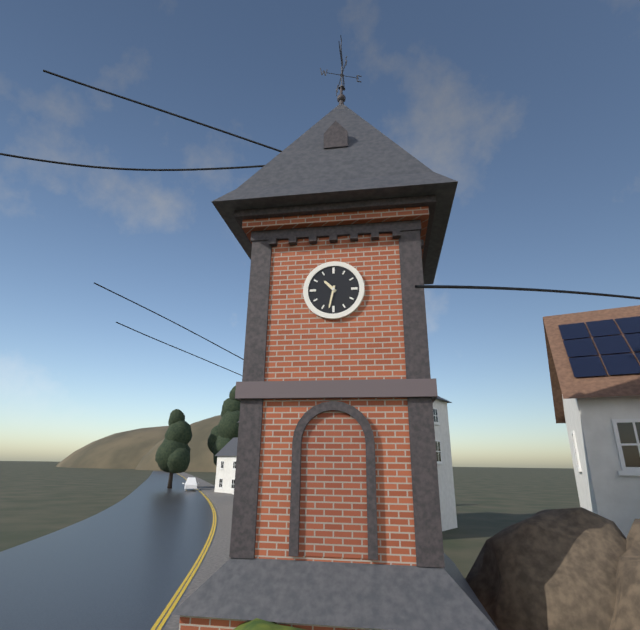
10h32
